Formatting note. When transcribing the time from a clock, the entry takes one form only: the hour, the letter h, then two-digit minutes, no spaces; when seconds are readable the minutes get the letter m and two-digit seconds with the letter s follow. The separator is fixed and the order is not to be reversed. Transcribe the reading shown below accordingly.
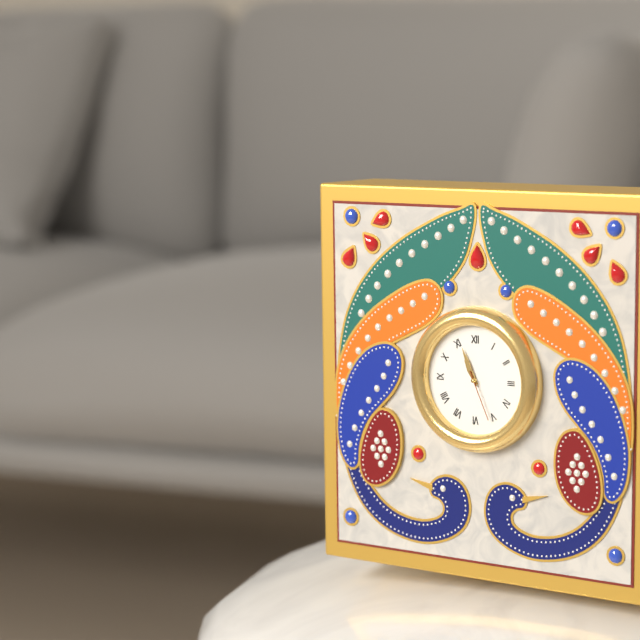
10h56m26s
